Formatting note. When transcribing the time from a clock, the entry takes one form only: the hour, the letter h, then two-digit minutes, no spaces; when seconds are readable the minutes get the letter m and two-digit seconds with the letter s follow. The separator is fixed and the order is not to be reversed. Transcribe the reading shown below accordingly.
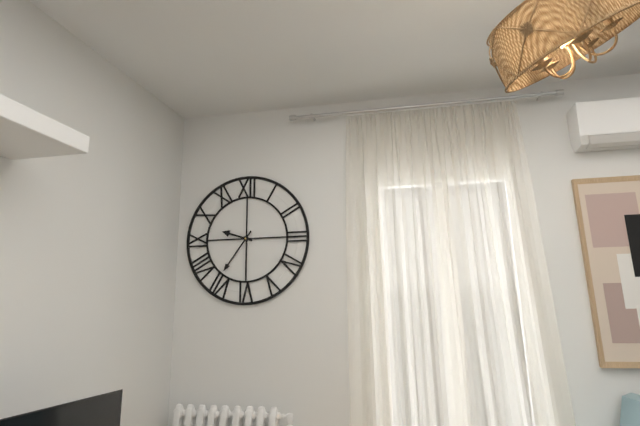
9h36
